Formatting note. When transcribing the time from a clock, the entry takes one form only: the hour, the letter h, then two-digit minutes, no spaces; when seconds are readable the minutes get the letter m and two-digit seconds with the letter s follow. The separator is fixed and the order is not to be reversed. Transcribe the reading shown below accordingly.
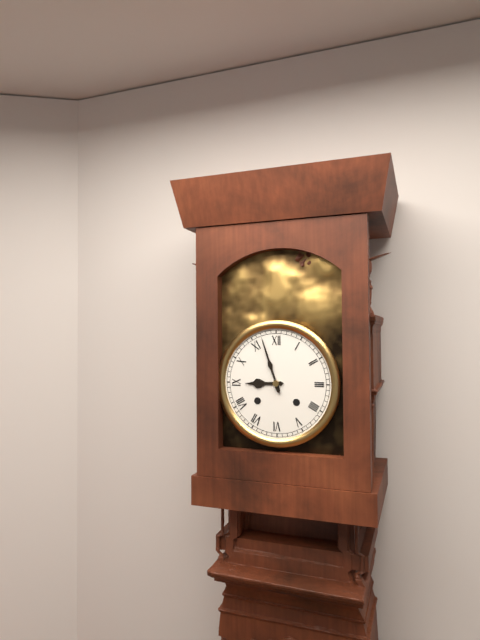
8h57
